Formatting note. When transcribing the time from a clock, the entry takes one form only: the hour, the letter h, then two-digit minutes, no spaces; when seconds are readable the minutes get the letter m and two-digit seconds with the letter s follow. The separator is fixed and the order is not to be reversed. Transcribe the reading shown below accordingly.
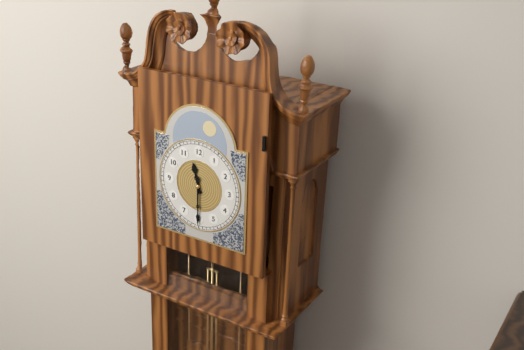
11h30
